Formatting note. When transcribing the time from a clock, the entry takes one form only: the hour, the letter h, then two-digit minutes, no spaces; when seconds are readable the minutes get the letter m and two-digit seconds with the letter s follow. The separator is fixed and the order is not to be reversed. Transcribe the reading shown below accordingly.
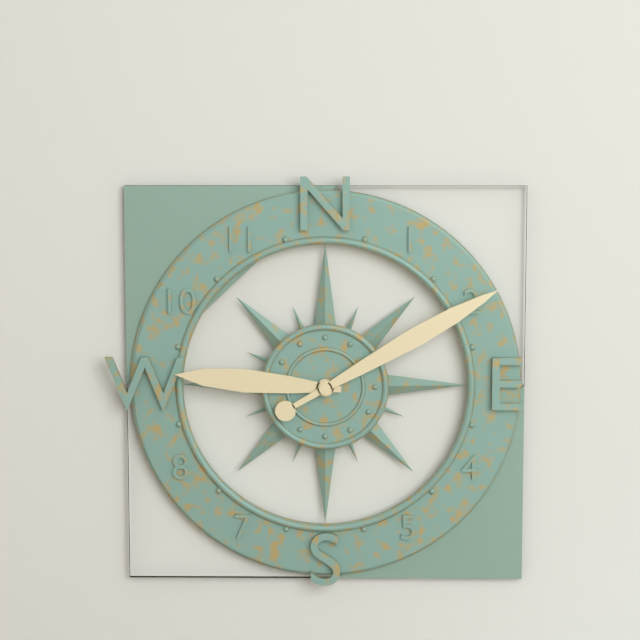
9h10
